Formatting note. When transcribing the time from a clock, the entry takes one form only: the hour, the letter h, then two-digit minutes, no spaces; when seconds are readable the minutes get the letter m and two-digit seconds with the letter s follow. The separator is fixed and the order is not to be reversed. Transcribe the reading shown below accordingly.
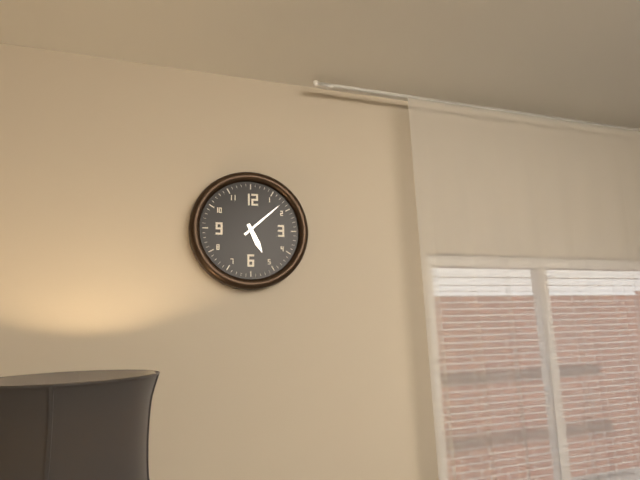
5h08
